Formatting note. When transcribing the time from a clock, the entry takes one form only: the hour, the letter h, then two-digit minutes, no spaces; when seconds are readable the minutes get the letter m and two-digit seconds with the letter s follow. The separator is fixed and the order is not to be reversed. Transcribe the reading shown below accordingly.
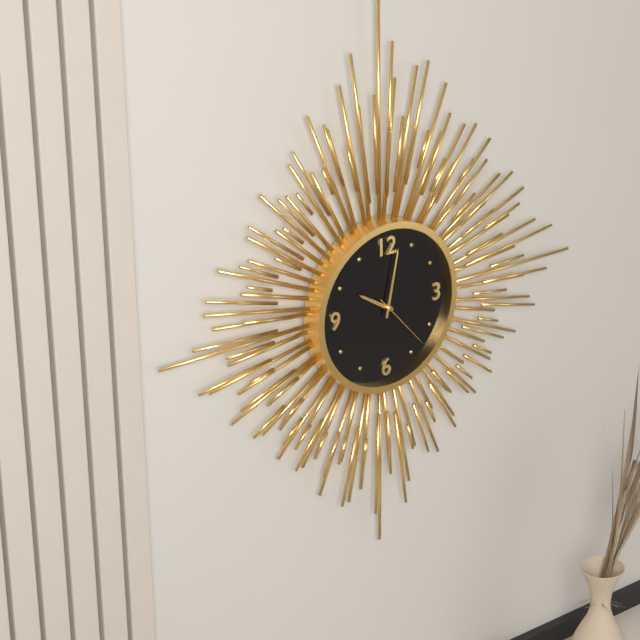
10h02m23s
